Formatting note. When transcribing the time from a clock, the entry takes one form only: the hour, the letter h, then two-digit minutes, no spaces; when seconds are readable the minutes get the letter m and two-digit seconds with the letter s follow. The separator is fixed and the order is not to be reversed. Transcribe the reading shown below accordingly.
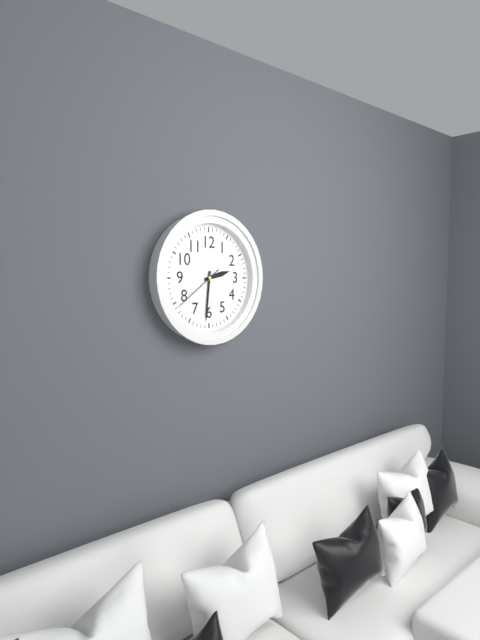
2h31m39s
